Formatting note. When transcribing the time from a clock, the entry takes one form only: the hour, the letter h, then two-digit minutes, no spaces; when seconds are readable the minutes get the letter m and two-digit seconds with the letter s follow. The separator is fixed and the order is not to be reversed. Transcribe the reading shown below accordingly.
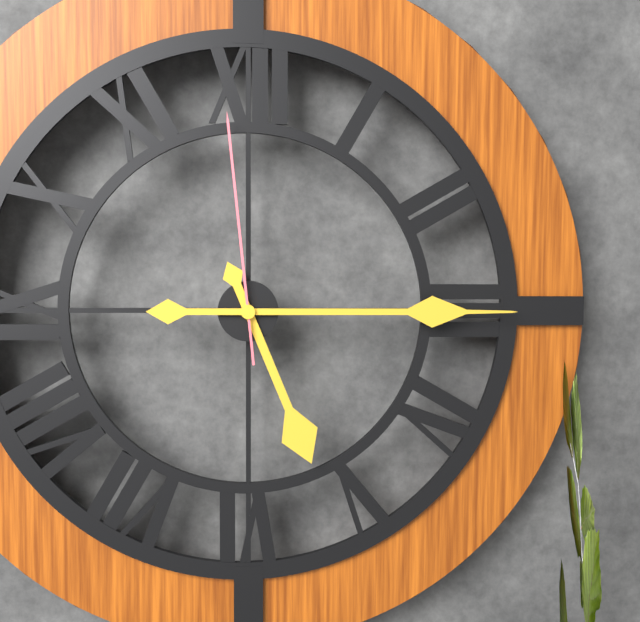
5h15m59s
